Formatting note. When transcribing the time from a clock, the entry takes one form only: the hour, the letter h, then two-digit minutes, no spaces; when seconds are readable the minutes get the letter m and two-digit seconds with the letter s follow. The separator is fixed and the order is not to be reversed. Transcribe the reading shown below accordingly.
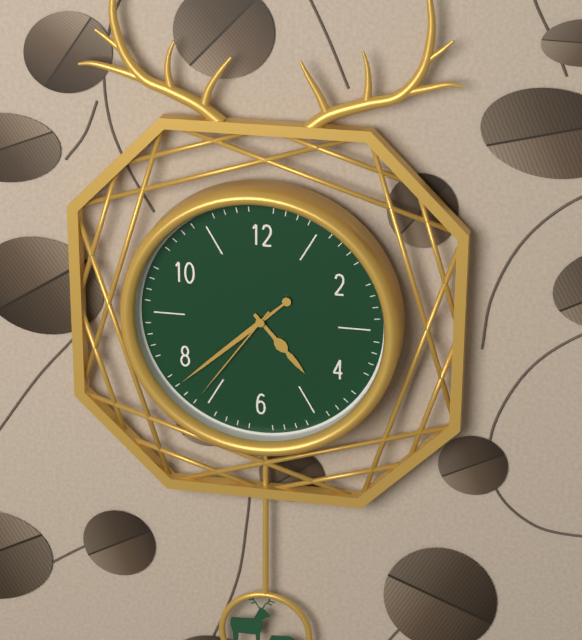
4h38m36s
